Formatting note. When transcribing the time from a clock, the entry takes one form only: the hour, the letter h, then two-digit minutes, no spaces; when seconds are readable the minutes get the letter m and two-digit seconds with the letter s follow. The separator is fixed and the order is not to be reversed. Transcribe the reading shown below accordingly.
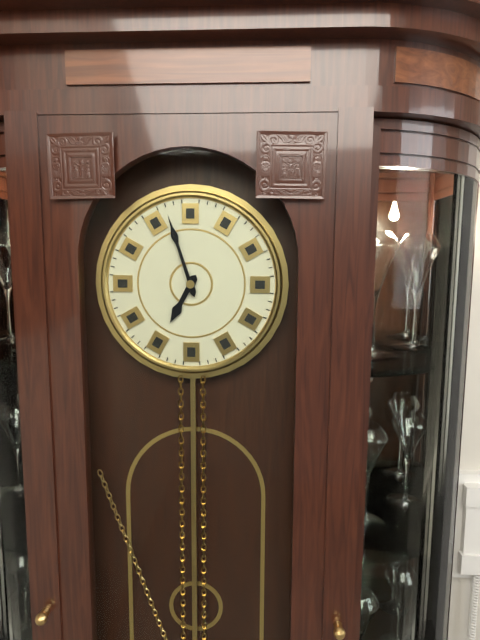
6h57
